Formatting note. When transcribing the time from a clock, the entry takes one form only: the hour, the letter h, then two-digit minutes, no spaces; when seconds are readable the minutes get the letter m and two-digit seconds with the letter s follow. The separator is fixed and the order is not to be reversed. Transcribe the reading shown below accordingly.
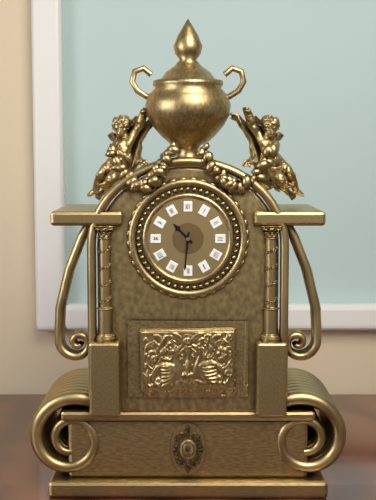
10h31
